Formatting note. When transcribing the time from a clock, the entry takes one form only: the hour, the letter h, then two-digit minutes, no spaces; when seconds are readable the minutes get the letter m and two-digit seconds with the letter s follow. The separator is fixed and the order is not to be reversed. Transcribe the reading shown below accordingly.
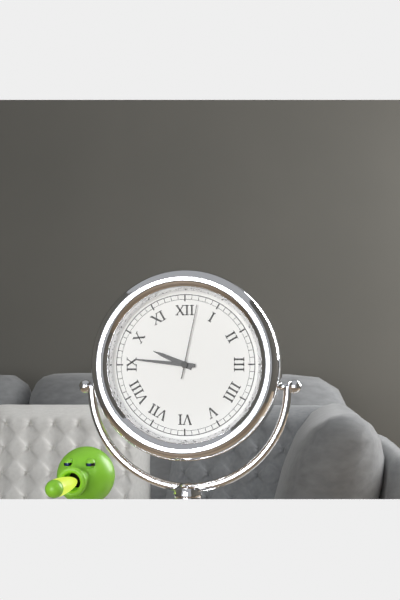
9h46m02s
